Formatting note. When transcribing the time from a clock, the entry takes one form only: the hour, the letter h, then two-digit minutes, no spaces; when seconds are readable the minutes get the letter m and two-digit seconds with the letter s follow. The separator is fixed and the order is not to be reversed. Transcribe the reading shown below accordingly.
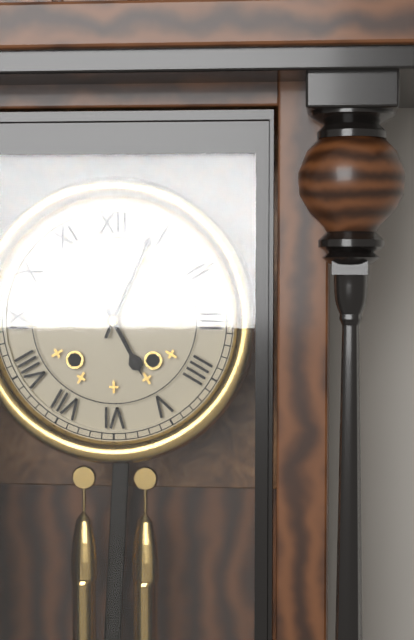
5h04
